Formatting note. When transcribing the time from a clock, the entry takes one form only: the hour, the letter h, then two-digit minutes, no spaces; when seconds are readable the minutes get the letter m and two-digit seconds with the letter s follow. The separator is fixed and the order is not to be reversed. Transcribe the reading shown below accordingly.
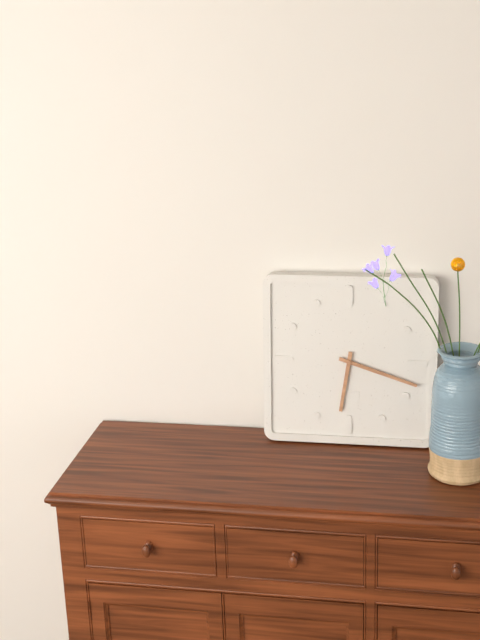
6h18
